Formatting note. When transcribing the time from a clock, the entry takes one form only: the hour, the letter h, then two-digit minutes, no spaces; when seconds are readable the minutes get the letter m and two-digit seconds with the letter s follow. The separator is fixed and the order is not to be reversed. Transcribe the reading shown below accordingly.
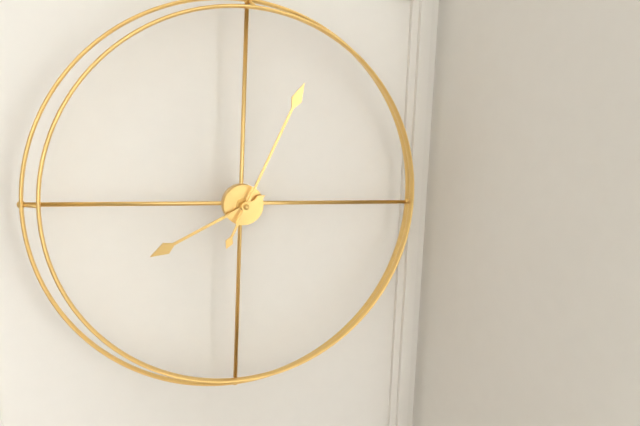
8h04
